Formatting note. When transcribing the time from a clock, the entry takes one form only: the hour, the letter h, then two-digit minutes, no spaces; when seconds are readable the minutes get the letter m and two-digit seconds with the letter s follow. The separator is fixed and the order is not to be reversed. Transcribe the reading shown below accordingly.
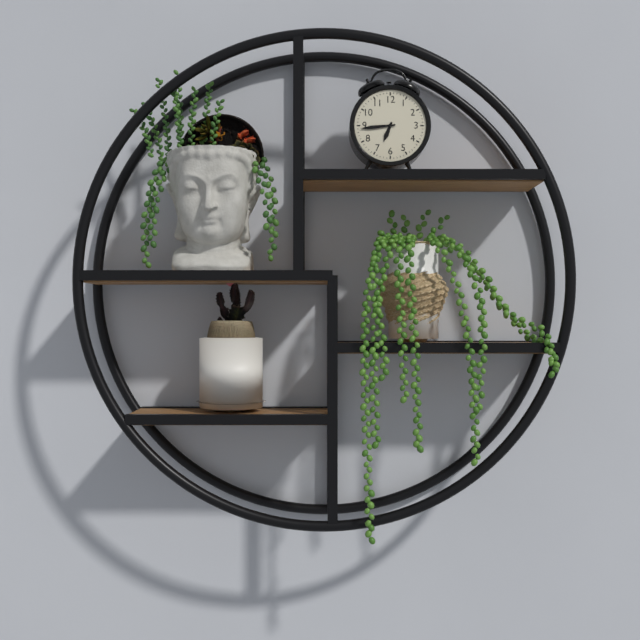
6h44
